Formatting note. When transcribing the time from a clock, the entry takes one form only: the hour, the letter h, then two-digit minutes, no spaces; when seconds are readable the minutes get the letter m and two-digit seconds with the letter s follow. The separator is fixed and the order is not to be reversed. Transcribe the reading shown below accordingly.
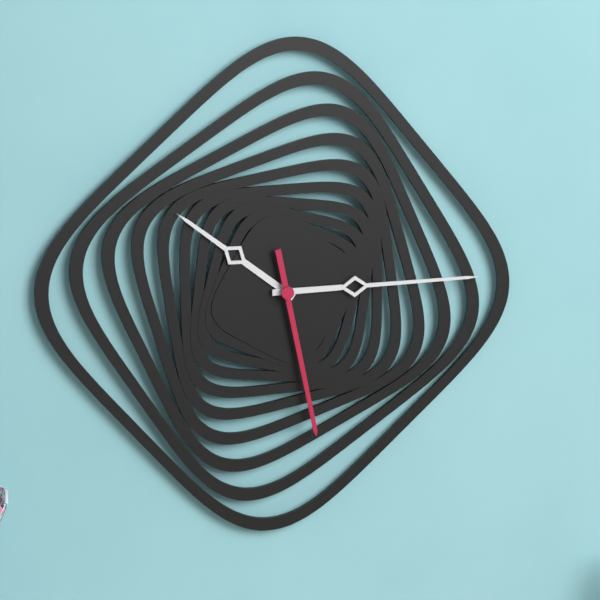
10h15m28s
